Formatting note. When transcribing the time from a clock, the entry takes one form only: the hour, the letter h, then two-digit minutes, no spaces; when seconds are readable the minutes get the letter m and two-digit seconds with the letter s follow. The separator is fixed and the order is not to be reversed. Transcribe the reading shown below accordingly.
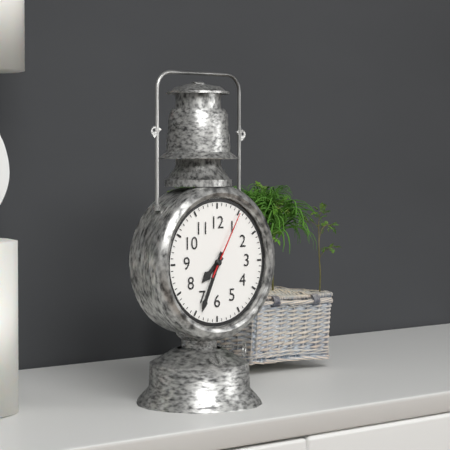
7h34m05s
